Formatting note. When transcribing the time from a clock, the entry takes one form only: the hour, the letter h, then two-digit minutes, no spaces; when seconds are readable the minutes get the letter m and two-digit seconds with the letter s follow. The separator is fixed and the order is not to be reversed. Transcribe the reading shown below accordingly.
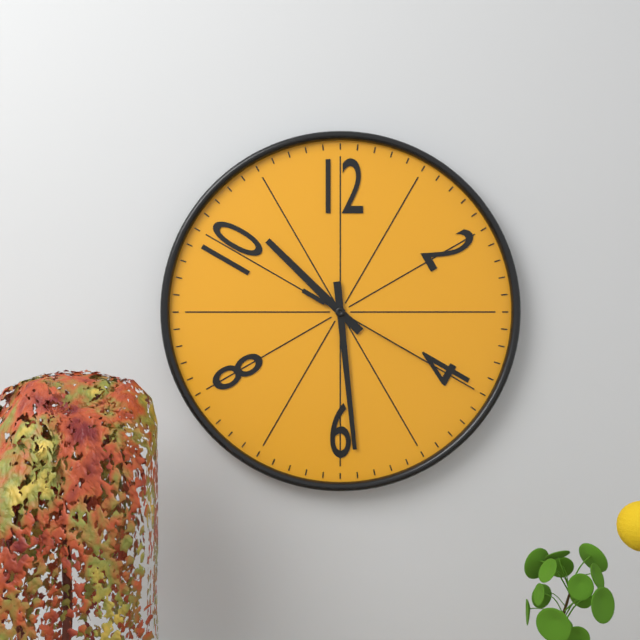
10h29m20s
